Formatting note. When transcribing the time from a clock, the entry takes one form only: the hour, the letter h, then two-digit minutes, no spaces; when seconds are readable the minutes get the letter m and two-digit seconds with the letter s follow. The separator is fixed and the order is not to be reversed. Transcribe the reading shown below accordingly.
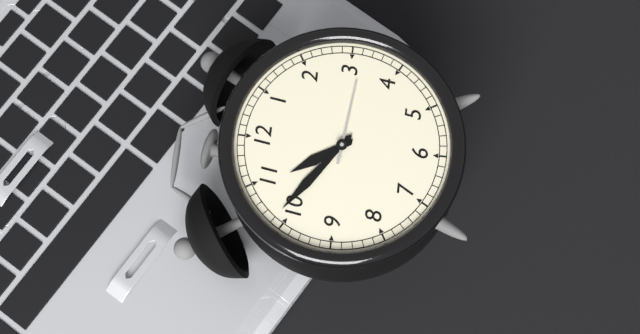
10h51m16s
